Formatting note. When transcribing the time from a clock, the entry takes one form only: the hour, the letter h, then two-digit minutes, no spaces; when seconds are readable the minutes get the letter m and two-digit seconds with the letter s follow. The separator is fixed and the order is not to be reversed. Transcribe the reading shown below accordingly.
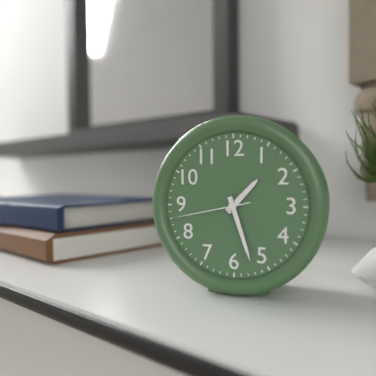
1h27m43s
